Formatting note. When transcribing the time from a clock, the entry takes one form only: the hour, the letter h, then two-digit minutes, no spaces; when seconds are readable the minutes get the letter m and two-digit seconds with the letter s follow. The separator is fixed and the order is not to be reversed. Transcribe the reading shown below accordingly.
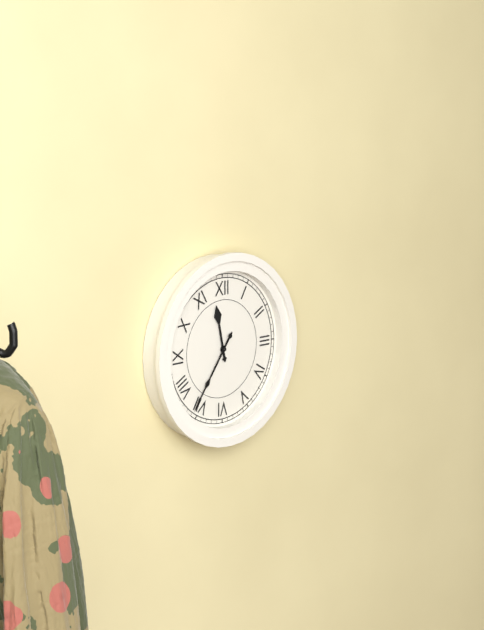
11h36
